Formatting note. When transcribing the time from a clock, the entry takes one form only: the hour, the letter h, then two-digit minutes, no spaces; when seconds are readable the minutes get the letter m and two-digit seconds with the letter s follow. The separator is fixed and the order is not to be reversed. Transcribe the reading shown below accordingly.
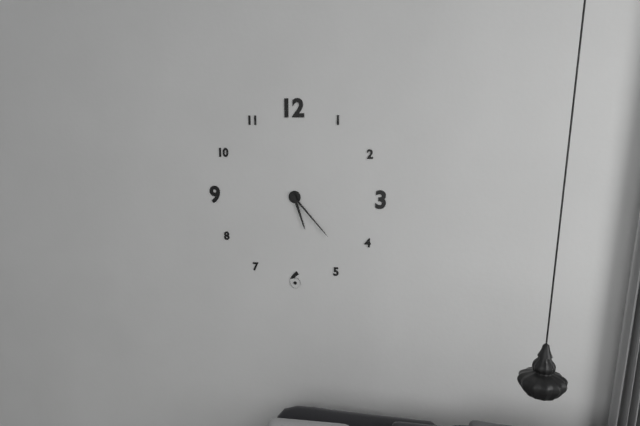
5h23
